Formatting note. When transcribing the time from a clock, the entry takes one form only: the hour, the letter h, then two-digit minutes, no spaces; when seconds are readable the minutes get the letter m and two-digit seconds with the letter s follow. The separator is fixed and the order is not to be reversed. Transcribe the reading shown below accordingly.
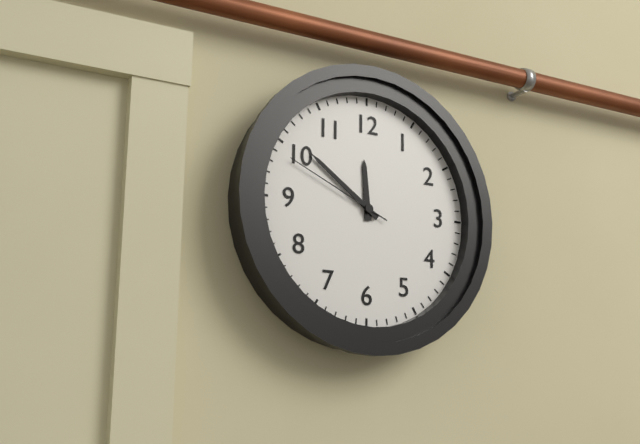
11h51m49s
